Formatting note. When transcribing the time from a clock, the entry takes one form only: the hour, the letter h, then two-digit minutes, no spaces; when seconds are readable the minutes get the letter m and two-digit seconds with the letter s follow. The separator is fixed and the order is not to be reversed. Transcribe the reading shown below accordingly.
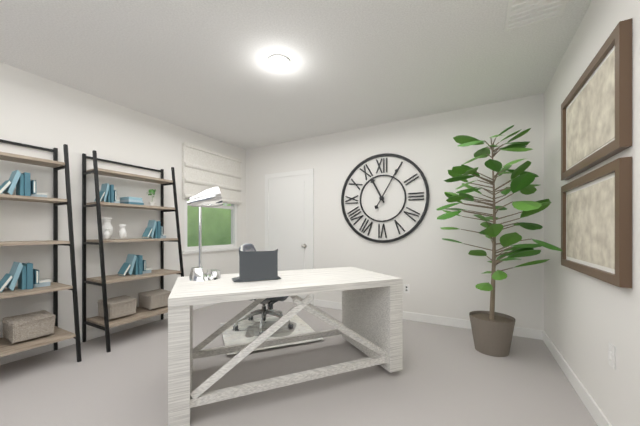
11h05
